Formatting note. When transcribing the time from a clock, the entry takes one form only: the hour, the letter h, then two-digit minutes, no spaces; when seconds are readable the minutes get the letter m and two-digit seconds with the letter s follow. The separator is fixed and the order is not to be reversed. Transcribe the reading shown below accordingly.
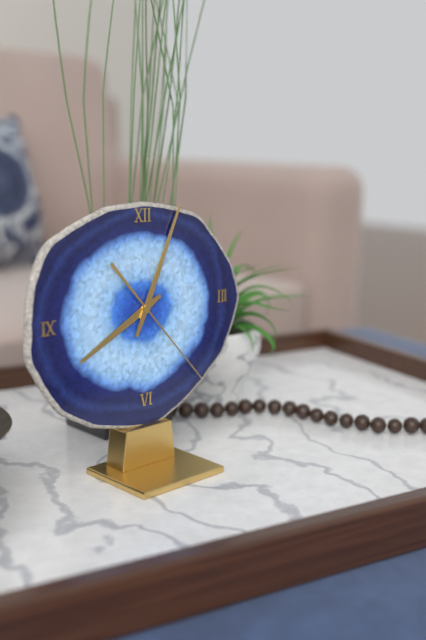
8h04m23s
